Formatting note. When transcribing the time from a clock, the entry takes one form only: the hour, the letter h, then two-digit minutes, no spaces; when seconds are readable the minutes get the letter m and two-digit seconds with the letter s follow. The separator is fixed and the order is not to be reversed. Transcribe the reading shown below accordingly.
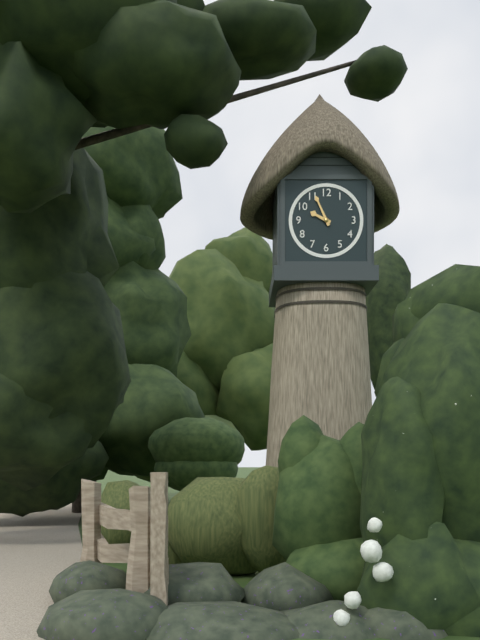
9h56
